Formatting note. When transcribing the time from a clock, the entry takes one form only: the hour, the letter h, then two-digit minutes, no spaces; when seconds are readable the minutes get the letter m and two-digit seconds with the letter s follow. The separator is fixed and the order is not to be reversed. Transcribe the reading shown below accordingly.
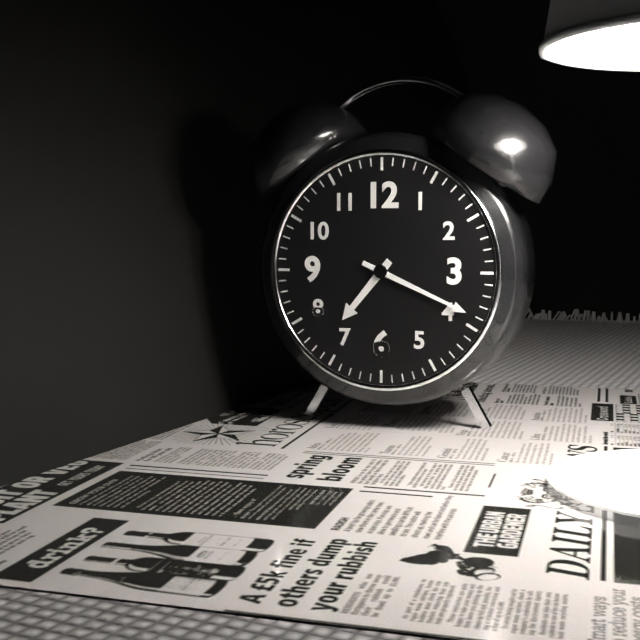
7h19
